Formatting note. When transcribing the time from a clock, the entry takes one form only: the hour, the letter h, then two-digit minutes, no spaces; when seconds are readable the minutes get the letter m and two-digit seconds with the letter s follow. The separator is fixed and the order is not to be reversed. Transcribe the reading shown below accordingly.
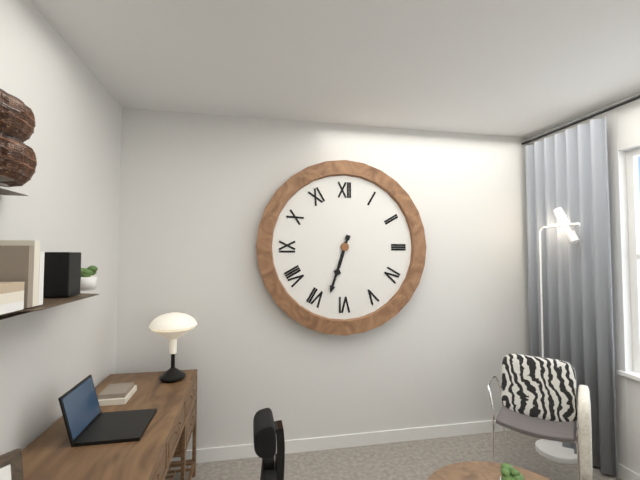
6h33
